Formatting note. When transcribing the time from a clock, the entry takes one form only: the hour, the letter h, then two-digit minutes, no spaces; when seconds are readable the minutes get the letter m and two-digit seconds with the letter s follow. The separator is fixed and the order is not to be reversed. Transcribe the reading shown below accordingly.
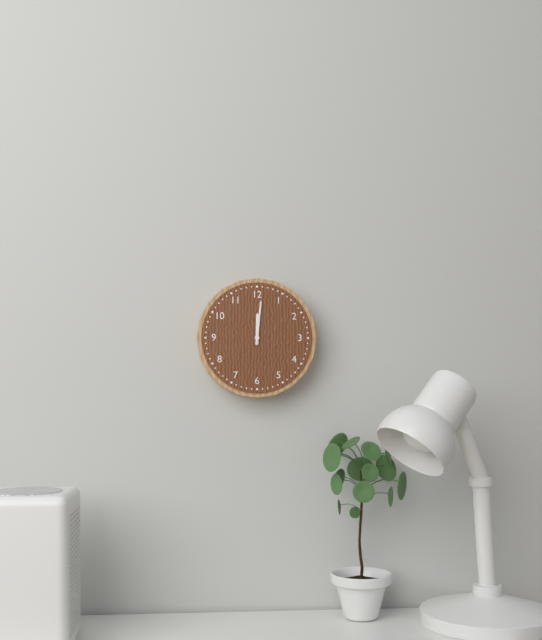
12h01
